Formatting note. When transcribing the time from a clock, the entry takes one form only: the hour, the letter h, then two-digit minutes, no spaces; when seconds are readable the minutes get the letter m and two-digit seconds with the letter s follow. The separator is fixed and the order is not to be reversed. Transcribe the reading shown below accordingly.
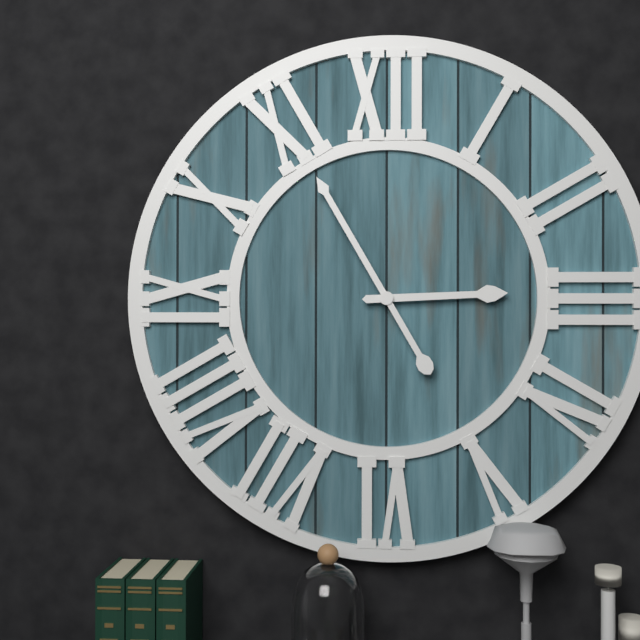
2h55
